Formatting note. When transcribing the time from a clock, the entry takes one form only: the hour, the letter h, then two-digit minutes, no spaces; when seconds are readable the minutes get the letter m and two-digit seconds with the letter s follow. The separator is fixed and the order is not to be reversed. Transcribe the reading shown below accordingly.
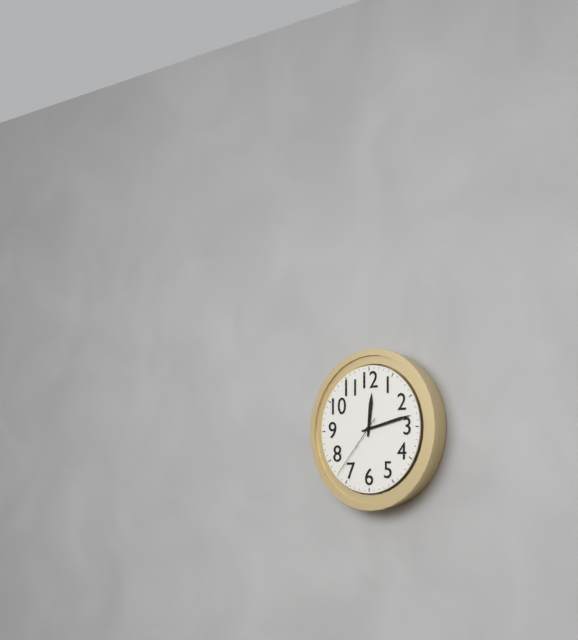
12h13m37s
